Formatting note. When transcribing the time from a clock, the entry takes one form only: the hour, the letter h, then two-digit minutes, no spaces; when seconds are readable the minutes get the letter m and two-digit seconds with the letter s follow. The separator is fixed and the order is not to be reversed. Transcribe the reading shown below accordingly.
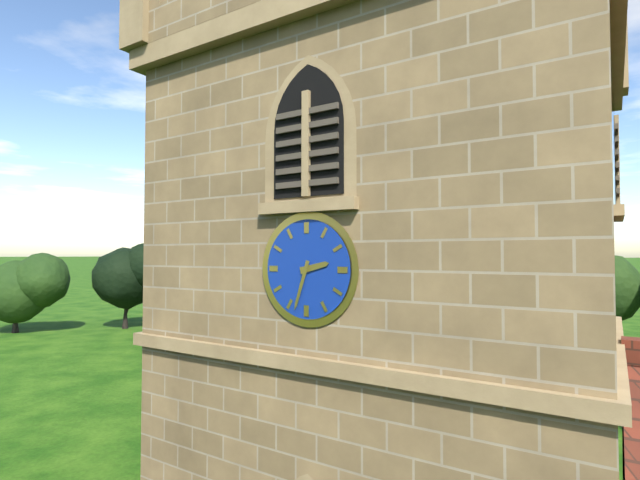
2h33
